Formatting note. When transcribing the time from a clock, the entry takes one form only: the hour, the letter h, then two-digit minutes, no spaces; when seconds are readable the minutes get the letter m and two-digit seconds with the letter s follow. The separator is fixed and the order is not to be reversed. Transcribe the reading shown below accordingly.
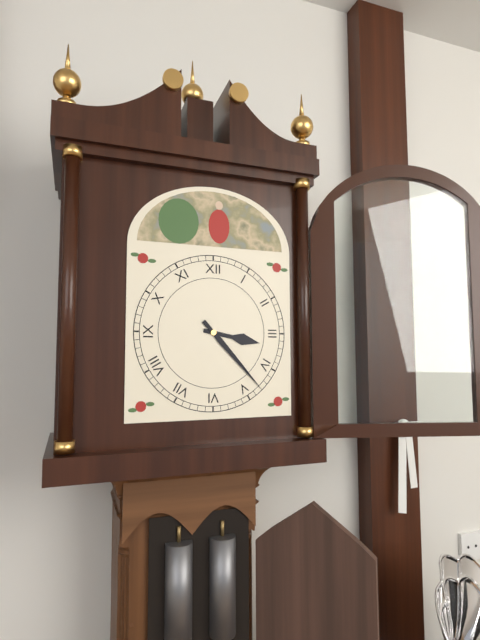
3h23
